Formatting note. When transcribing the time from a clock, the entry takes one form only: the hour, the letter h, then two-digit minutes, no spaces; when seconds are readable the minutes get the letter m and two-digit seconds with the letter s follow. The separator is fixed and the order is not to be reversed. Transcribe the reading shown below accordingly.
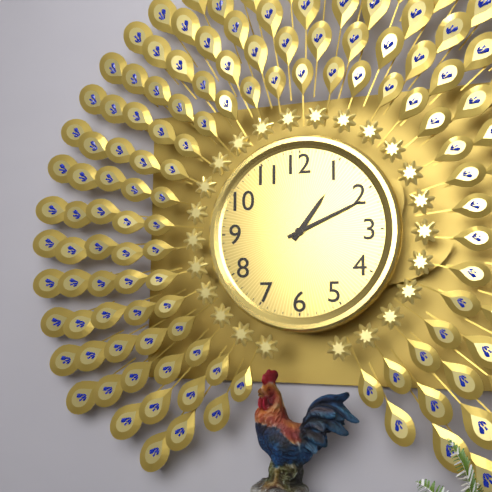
1h11
